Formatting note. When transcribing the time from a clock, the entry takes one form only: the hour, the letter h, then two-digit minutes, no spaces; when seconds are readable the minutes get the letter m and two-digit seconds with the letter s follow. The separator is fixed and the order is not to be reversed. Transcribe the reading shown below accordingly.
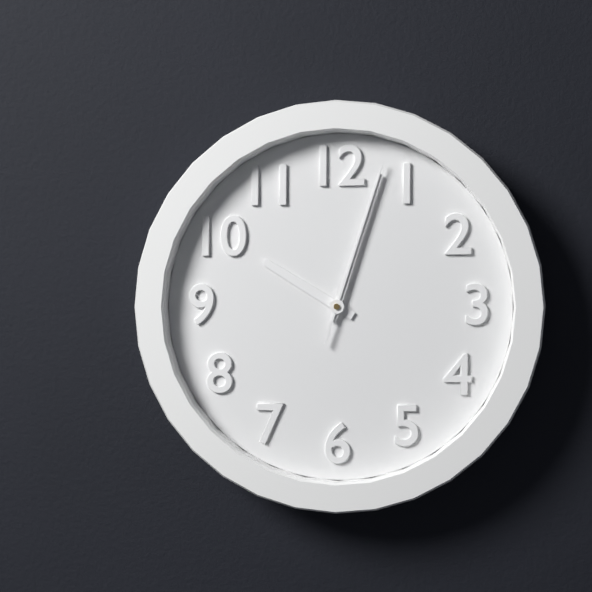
10h03m03s
